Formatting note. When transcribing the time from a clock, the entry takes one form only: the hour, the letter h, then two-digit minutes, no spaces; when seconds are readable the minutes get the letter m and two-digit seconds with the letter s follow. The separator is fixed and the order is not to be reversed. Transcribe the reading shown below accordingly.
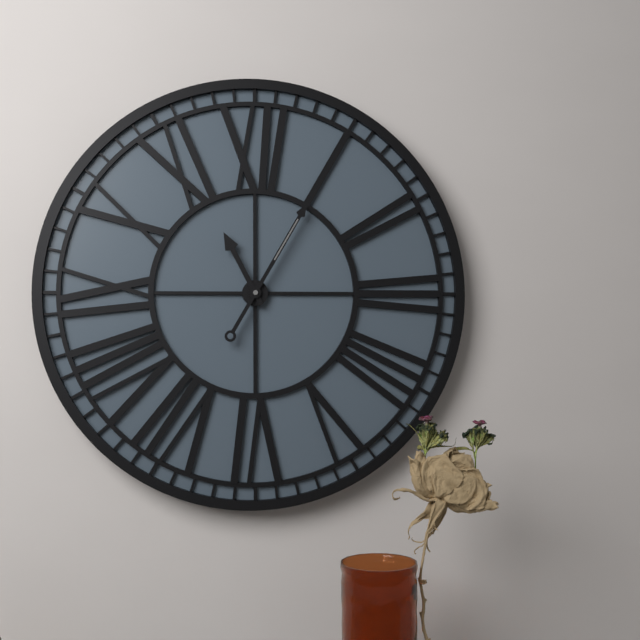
11h05
